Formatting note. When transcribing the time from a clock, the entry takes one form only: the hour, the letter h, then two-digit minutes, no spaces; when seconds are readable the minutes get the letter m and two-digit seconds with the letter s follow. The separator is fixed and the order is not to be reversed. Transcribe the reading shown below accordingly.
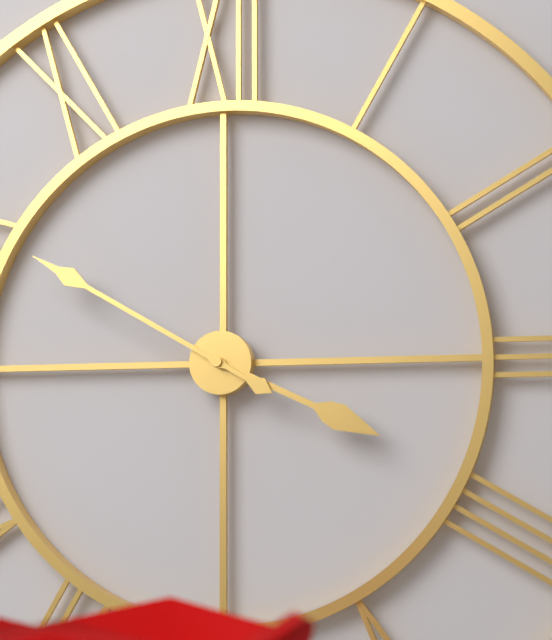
3h50
